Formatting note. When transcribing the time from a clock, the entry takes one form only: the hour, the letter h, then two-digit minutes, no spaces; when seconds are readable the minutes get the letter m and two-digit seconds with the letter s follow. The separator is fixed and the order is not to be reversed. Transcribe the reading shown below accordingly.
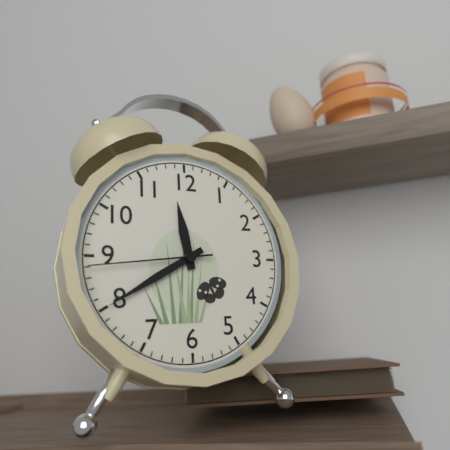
11h40m44s
